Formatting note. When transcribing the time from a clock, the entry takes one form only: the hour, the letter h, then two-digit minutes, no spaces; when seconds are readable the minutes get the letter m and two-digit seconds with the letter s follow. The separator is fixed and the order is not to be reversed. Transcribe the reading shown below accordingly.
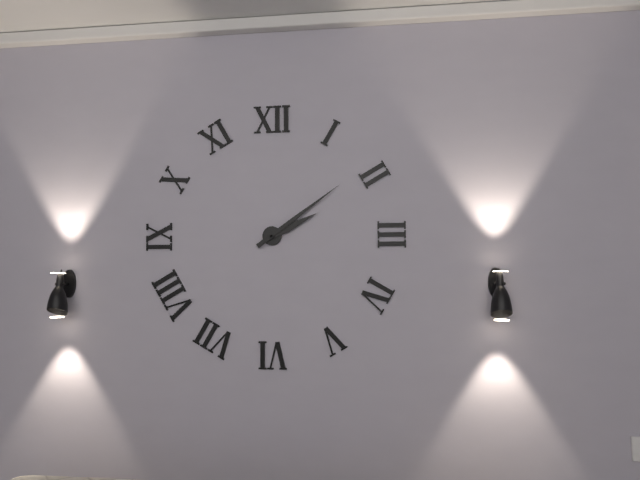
2h09
